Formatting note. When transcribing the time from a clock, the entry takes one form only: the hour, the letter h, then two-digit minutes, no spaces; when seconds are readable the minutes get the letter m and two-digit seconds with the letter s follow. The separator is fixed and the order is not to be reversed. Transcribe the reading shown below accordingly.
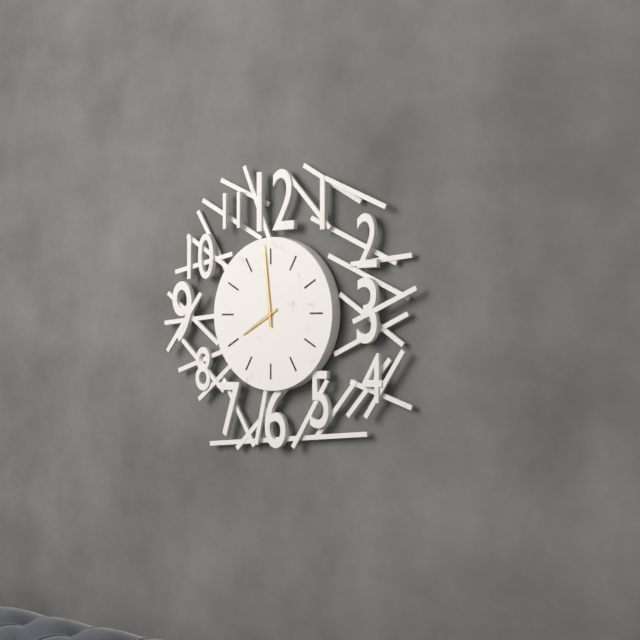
7h59
